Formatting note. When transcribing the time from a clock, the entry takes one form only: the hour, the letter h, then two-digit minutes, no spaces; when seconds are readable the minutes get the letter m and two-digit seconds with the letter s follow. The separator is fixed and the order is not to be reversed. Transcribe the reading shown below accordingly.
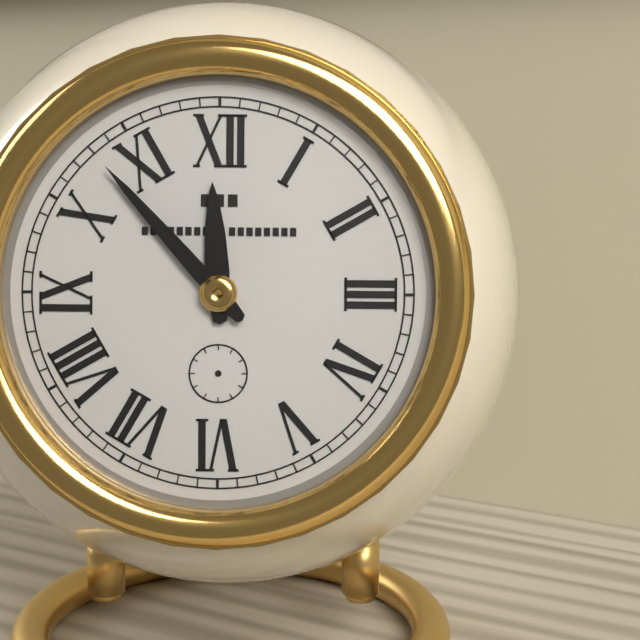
11h53
